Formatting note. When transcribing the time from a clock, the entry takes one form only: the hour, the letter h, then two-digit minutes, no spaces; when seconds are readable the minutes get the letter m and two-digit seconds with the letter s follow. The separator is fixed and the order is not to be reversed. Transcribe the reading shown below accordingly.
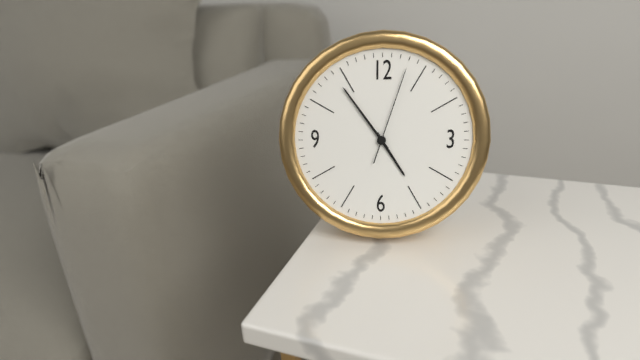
4h54m03s
